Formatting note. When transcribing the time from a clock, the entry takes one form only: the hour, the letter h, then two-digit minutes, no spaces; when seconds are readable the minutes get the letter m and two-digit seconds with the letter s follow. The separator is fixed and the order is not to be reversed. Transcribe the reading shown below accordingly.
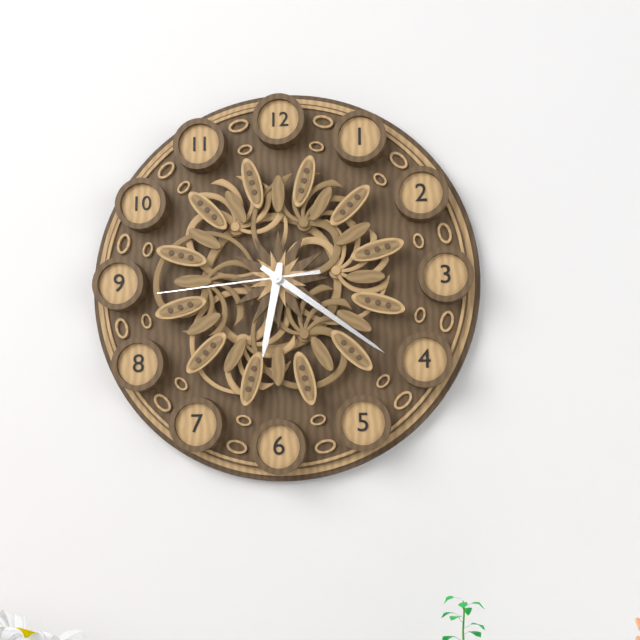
6h21m44s
